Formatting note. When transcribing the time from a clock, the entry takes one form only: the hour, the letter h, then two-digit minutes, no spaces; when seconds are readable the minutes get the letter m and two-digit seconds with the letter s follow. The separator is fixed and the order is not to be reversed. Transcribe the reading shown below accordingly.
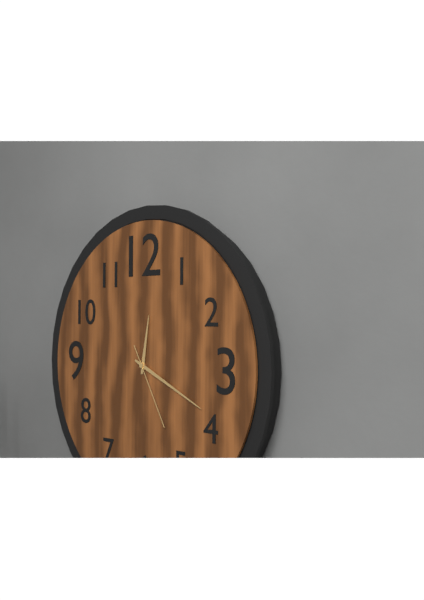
12h19m25s
